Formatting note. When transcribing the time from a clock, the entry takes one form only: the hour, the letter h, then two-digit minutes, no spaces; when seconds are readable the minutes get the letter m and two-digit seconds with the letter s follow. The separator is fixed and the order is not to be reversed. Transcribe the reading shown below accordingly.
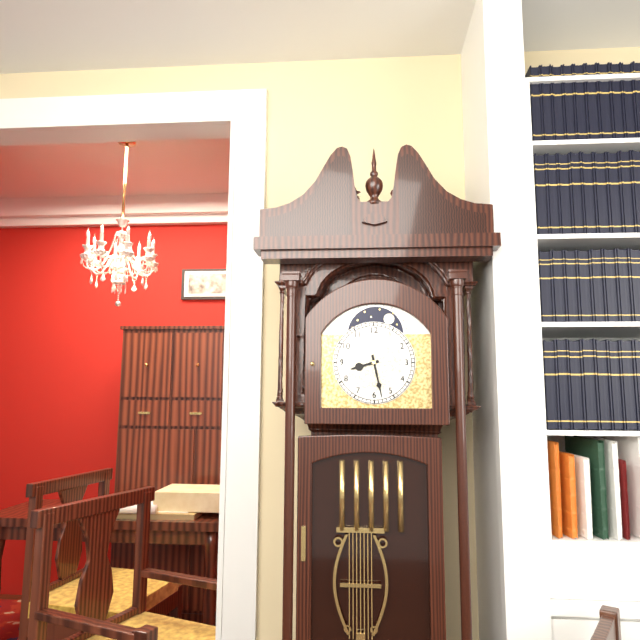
8h28
